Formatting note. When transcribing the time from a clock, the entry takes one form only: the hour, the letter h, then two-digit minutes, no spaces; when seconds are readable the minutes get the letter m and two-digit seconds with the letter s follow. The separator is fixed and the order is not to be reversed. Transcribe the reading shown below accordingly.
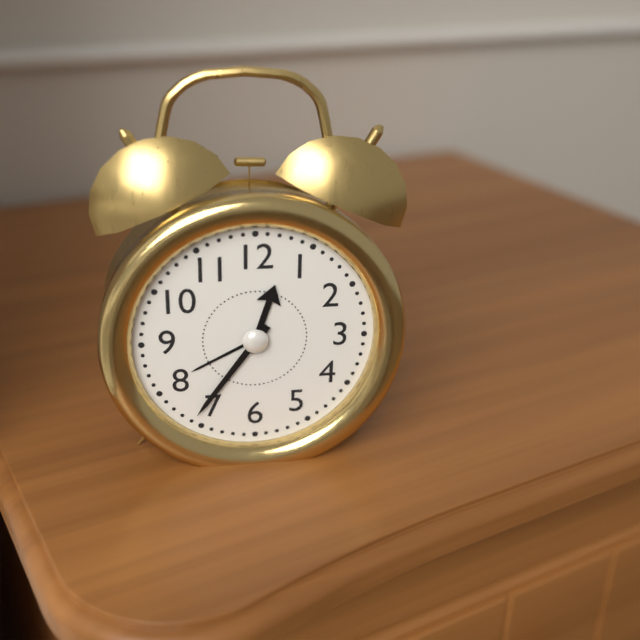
12h36
